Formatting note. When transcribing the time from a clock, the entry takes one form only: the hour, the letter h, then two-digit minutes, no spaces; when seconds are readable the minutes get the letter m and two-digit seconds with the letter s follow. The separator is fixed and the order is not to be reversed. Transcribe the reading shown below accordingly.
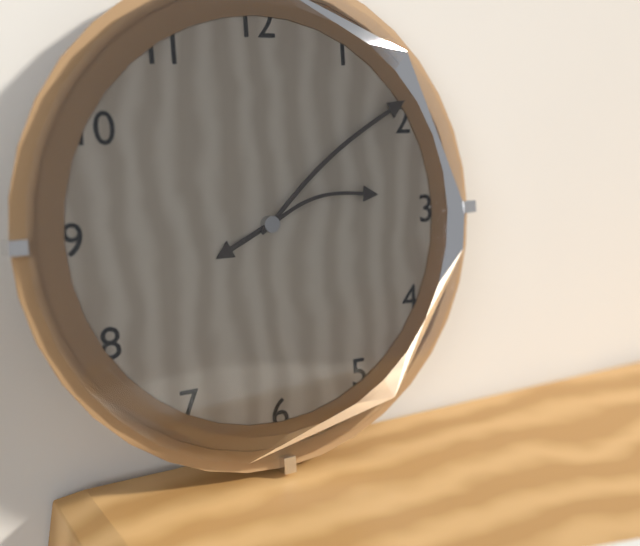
8h09m13s
